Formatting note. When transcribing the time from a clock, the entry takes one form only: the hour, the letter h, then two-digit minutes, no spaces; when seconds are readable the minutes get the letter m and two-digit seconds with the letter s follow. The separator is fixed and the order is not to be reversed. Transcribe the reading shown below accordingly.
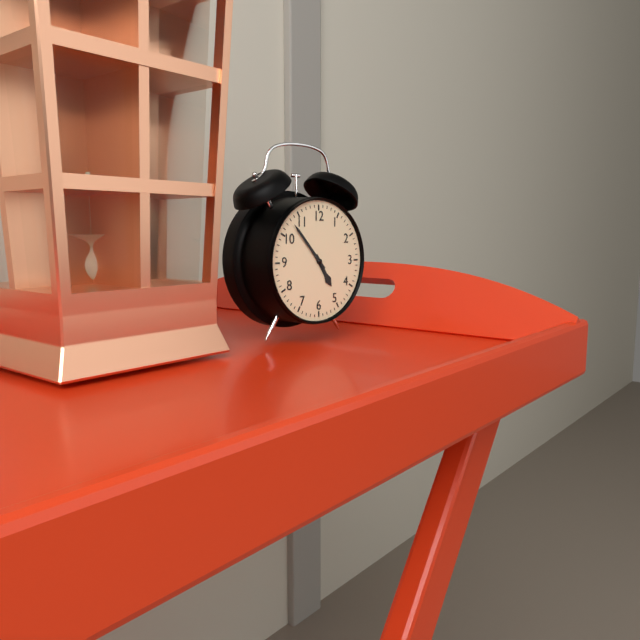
4h53
